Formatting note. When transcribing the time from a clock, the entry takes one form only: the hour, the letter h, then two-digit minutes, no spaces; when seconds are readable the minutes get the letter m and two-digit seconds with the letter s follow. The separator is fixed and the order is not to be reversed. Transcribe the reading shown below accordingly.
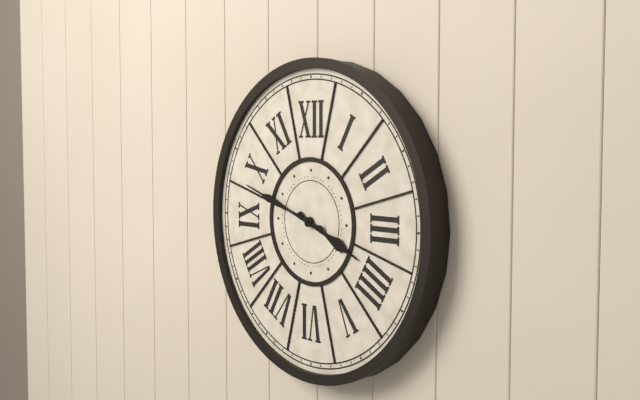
3h48
